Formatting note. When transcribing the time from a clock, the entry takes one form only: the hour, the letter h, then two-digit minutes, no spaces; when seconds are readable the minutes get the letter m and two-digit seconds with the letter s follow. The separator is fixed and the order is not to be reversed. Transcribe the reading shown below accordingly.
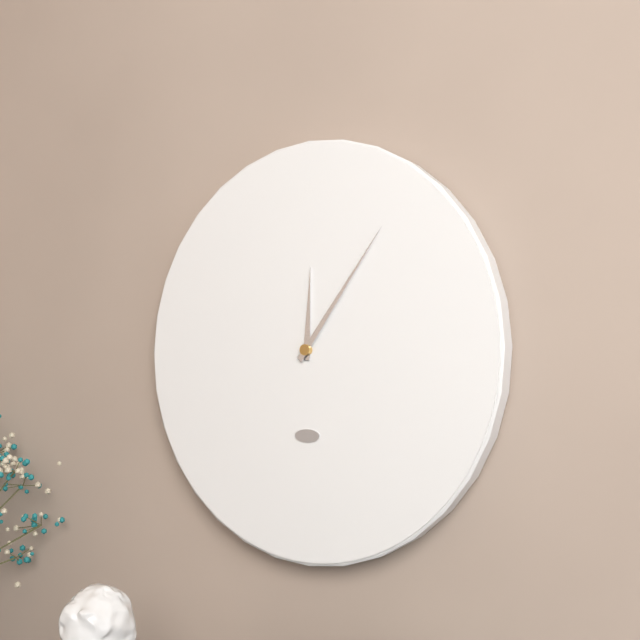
12h06
